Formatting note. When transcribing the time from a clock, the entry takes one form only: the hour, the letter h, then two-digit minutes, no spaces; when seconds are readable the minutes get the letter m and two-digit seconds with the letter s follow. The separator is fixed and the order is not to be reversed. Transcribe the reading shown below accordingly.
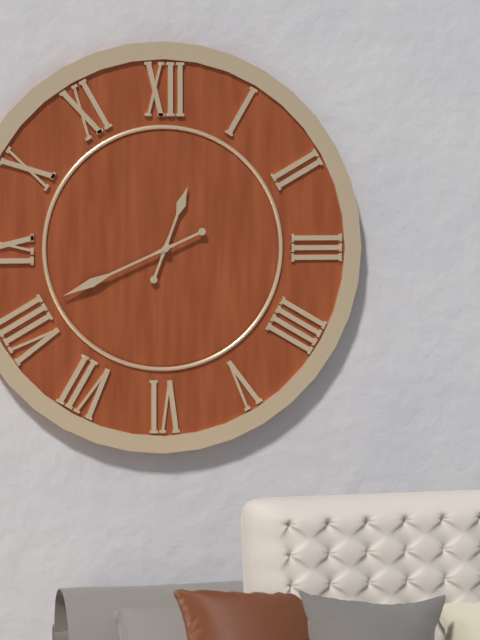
12h41
